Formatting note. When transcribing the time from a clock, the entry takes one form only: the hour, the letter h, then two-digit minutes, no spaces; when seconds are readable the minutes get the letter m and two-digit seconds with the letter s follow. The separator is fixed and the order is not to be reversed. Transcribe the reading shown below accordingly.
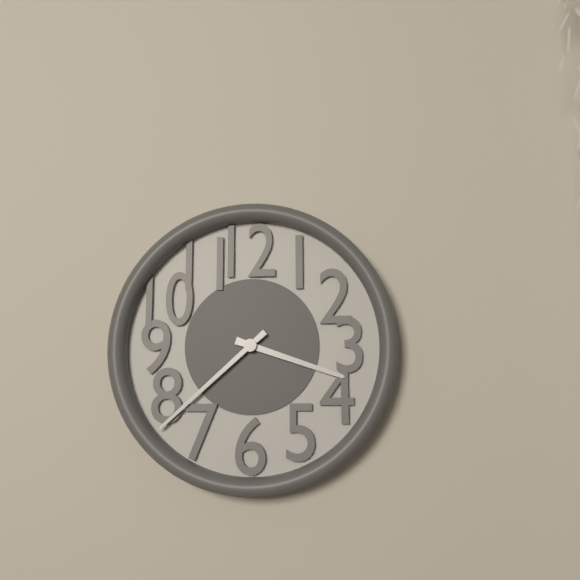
3h38
